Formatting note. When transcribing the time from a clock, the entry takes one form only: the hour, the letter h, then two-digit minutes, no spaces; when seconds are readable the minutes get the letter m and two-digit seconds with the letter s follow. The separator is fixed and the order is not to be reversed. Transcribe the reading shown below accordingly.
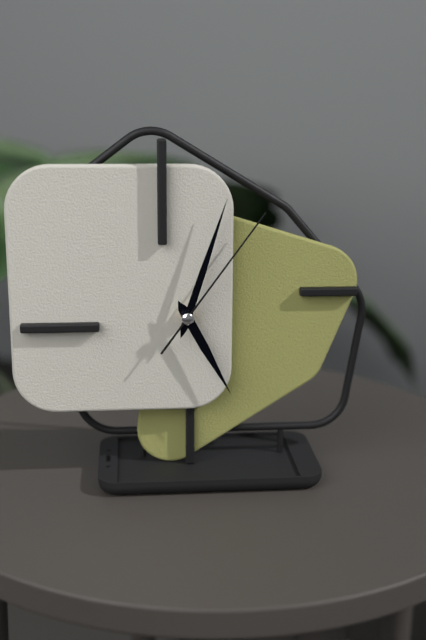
5h03m06s
